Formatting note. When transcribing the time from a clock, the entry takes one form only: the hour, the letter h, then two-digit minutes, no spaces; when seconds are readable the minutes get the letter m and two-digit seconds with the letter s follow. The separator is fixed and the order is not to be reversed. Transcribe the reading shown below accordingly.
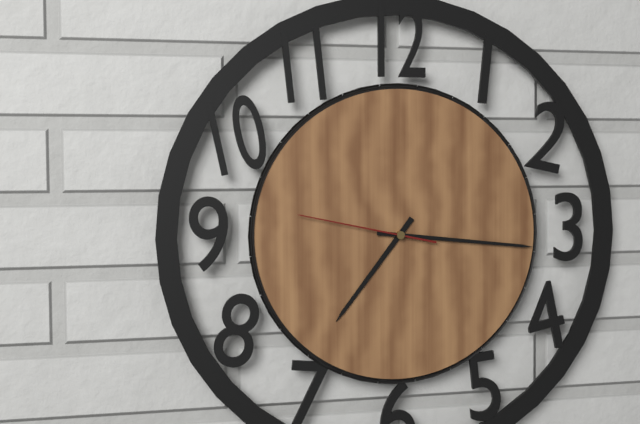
7h16m47s
